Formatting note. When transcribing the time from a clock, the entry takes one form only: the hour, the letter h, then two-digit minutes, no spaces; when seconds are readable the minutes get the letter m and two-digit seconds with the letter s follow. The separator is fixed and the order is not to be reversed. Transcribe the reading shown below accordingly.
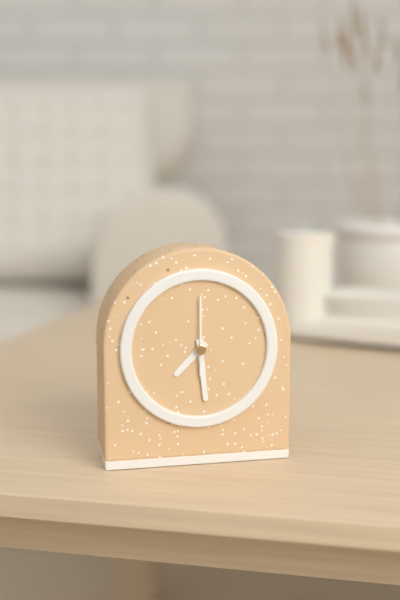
7h29m00s
